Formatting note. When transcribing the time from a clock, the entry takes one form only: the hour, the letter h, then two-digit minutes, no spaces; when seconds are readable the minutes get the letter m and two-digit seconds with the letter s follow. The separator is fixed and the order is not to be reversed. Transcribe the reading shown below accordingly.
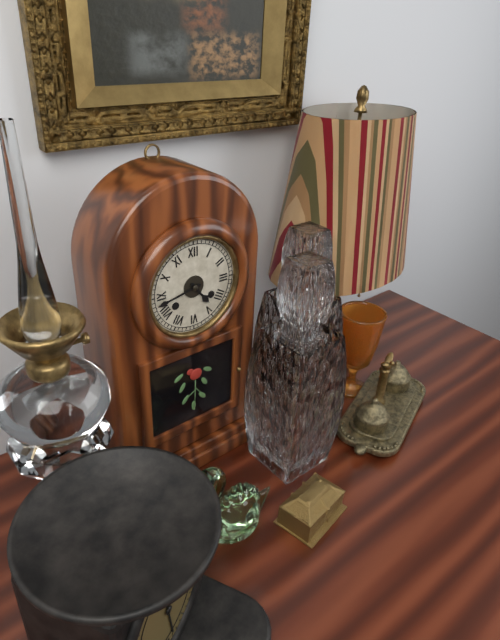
4h43
